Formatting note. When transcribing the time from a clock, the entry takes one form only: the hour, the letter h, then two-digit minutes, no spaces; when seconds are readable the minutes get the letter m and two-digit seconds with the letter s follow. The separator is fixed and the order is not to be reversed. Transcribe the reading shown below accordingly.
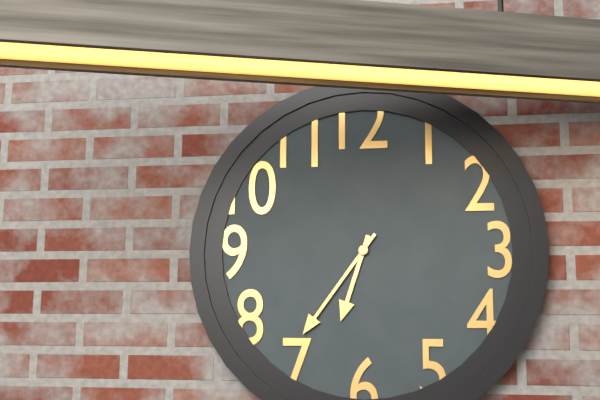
6h36
